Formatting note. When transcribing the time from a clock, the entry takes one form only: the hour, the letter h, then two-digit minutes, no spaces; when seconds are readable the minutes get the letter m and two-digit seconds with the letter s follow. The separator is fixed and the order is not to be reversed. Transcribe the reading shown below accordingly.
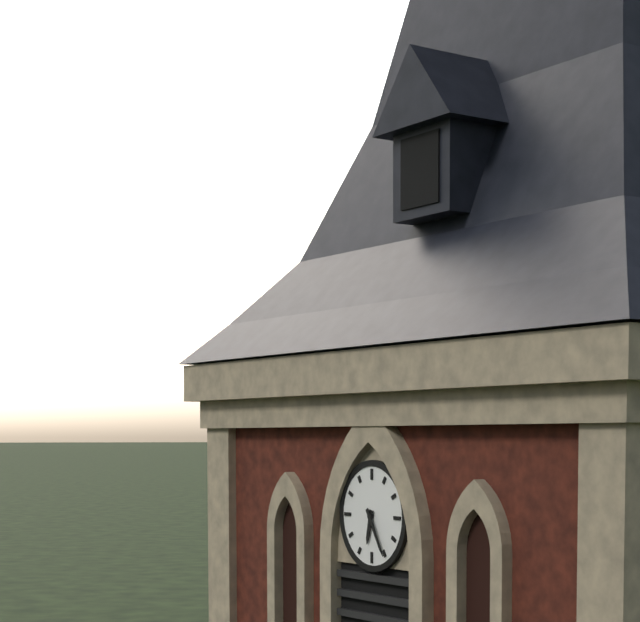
6h25
